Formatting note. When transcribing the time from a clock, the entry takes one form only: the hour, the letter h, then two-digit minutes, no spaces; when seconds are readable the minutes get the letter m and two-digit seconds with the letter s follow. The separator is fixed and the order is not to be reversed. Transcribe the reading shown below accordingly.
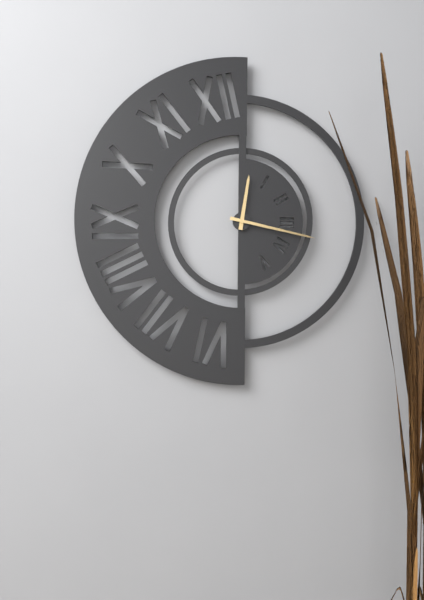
12h17
